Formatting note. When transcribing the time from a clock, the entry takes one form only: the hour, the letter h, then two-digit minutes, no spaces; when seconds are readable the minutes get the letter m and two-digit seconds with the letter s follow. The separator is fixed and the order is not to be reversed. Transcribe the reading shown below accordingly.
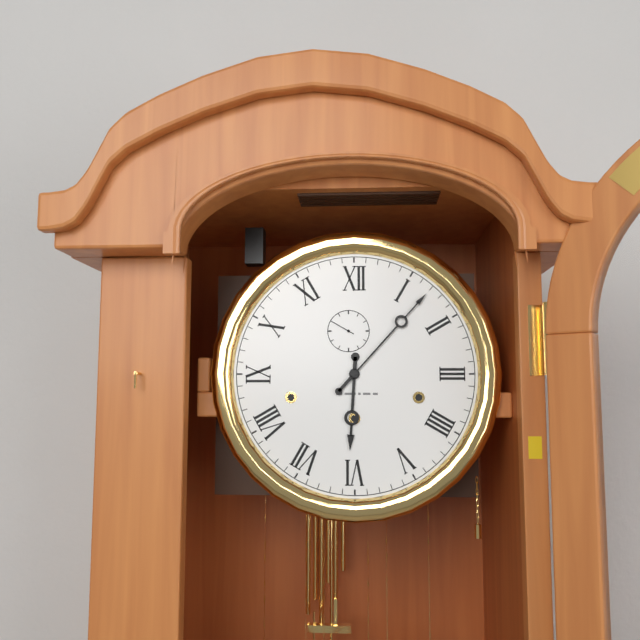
6h07
